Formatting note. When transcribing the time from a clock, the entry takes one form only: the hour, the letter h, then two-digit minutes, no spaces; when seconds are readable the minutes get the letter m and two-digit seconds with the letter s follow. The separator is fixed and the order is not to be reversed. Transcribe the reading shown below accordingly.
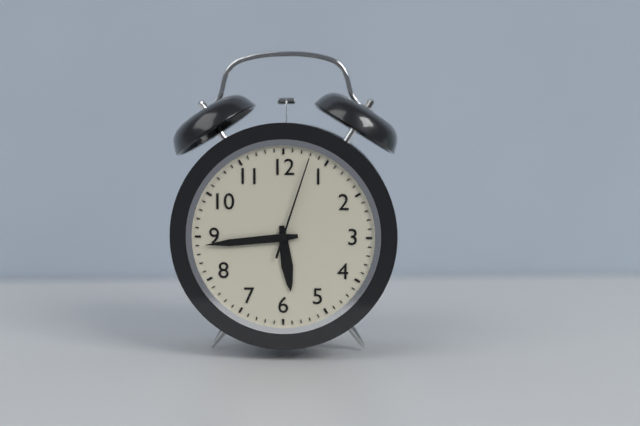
5h44m03s
